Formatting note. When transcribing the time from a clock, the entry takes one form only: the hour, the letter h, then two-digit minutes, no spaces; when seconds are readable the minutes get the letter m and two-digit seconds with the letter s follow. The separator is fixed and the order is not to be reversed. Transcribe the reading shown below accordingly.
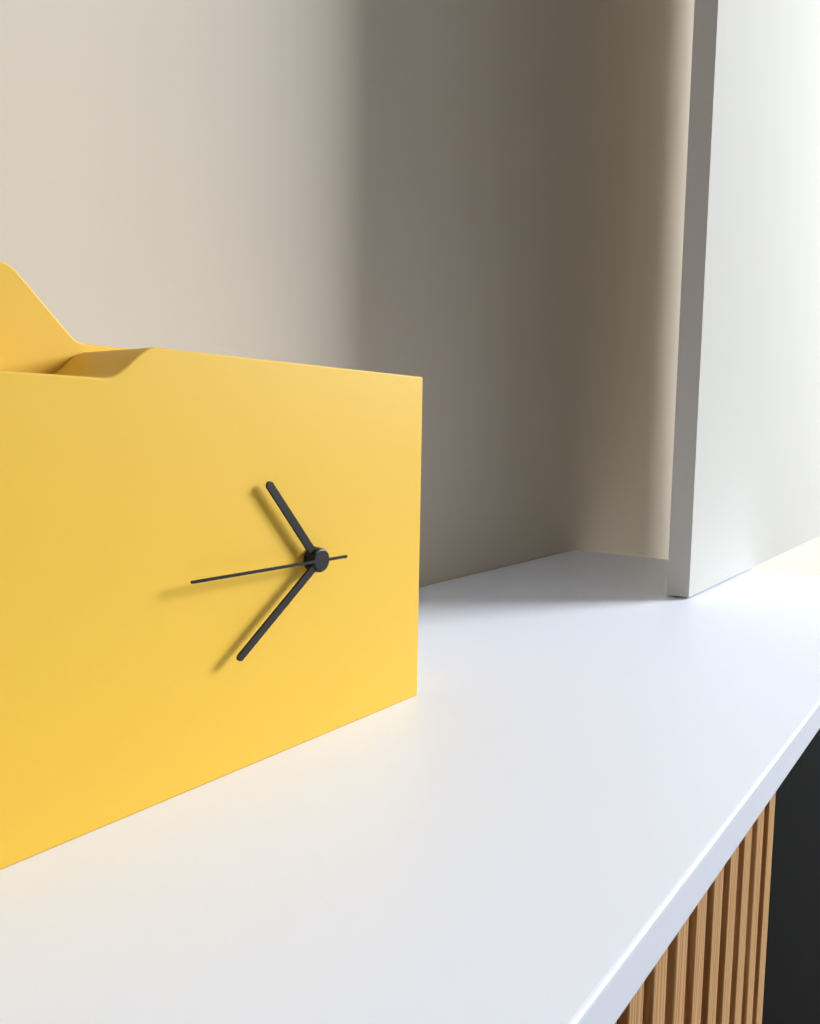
10h39m45s
